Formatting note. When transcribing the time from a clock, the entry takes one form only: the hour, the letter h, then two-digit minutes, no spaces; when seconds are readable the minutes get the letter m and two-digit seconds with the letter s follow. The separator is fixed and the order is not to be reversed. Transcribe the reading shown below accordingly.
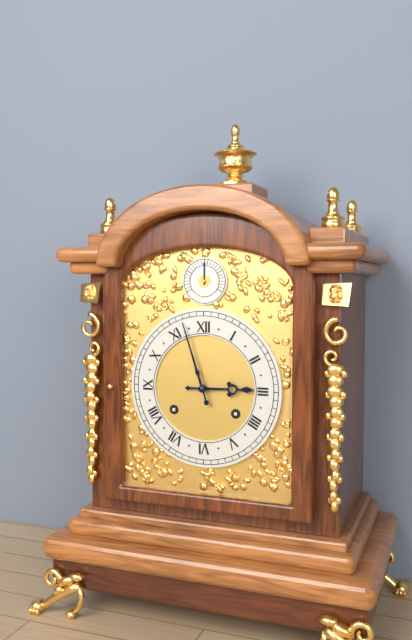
2h57
